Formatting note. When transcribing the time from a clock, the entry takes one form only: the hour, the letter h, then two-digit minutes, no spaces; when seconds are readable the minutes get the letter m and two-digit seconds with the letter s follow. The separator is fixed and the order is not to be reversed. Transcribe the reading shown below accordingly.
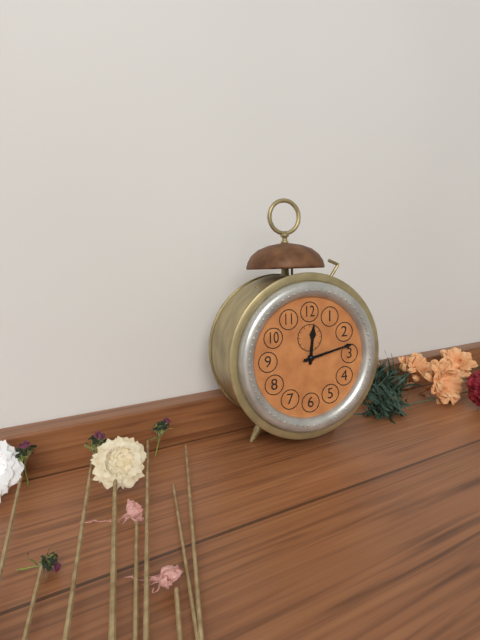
12h13
